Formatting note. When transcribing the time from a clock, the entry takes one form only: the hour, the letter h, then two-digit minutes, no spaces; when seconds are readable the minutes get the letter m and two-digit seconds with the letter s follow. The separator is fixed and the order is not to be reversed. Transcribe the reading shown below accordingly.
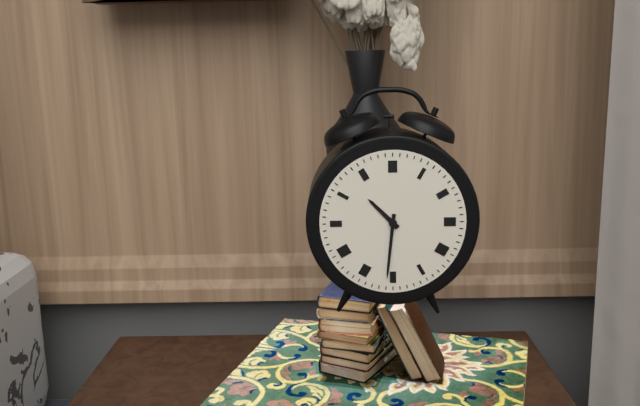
10h31
